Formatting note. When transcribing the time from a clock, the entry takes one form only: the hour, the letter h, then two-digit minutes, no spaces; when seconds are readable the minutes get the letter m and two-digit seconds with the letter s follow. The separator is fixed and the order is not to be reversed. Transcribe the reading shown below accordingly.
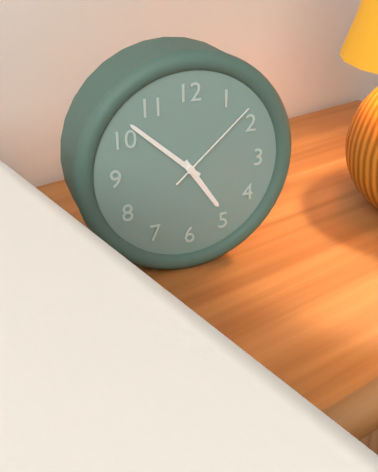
4h52m08s
